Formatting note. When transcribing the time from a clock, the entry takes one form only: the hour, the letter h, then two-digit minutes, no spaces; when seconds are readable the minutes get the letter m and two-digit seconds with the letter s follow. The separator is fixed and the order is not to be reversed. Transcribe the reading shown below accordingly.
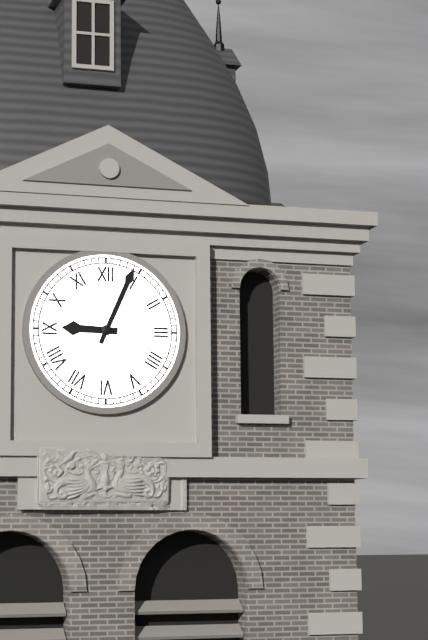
9h04
